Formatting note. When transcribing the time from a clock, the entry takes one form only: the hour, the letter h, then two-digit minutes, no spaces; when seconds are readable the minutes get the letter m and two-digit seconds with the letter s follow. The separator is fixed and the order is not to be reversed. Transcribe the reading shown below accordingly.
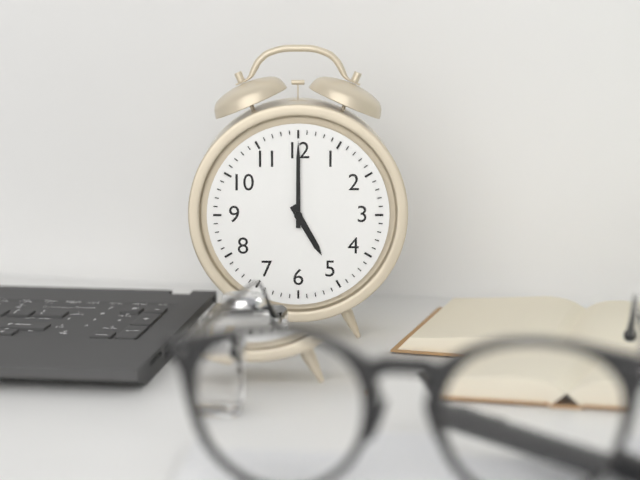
5h00
